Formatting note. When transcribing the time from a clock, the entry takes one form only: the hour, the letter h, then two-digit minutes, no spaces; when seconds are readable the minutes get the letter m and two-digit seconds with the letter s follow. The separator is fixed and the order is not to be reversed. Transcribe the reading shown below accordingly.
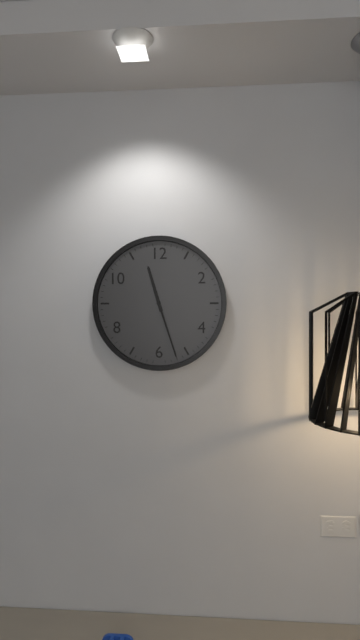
11h27
